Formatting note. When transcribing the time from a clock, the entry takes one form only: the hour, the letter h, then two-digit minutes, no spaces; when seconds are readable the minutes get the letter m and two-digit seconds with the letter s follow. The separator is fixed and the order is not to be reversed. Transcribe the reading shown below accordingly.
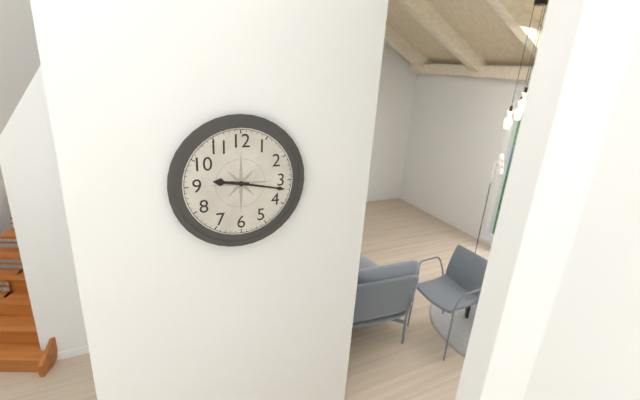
9h17
